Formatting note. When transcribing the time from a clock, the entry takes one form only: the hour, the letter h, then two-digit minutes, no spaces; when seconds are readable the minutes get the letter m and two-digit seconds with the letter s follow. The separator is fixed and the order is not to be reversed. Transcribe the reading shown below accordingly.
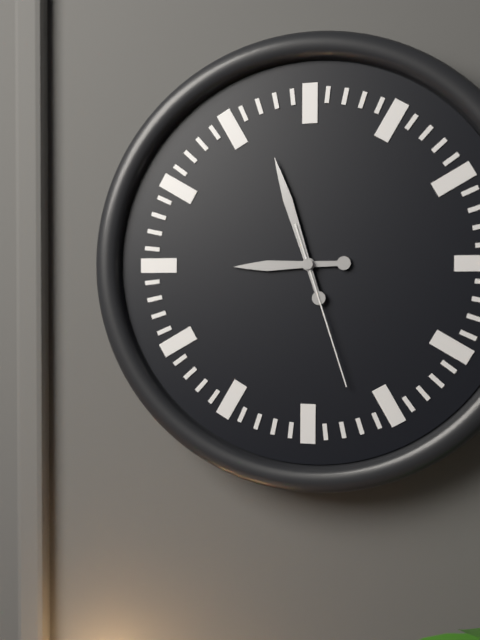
8h57m27s
